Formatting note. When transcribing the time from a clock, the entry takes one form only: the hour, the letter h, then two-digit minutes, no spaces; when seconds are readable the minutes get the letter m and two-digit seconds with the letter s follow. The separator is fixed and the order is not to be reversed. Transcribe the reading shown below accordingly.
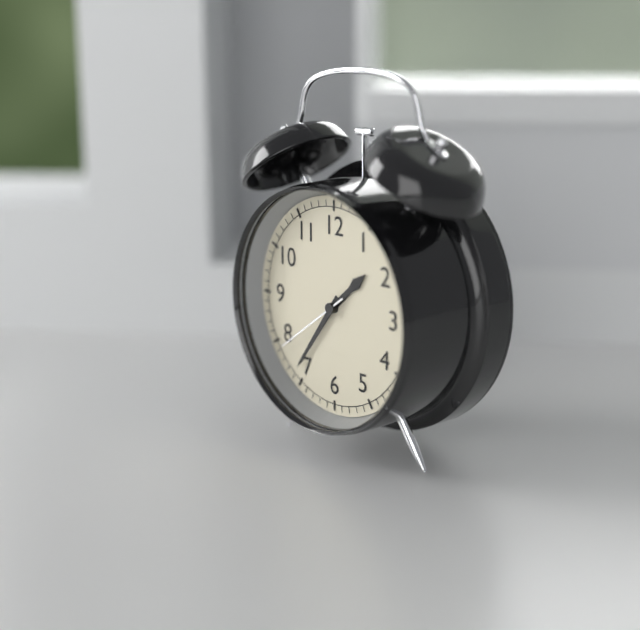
1h36m39s
